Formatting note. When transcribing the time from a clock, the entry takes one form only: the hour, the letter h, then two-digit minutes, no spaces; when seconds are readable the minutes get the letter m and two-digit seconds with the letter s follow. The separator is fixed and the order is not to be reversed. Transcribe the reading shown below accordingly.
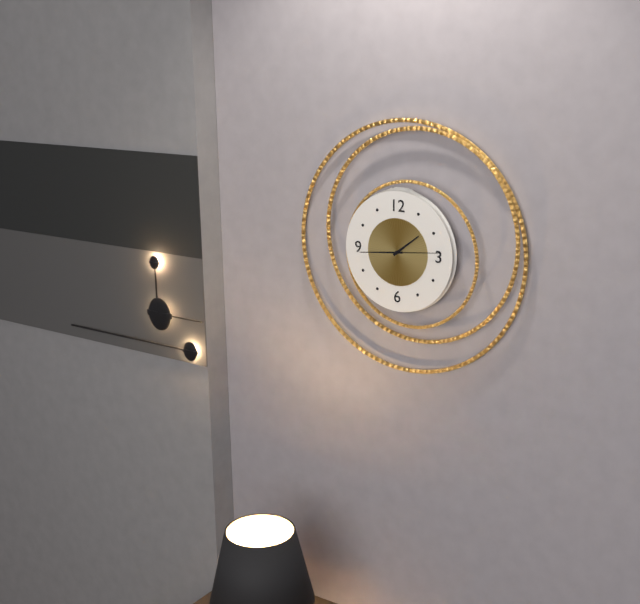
1h44m14s
